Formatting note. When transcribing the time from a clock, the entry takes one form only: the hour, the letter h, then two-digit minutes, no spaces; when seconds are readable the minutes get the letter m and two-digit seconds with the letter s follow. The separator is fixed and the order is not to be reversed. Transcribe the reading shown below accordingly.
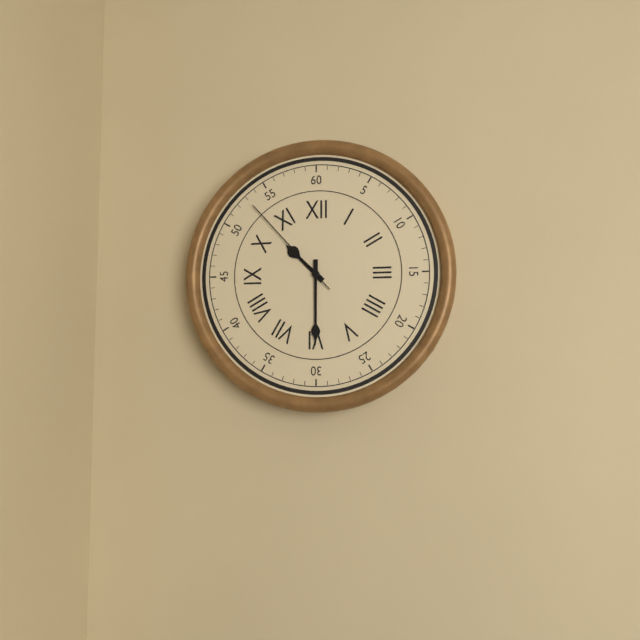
10h30m53s
